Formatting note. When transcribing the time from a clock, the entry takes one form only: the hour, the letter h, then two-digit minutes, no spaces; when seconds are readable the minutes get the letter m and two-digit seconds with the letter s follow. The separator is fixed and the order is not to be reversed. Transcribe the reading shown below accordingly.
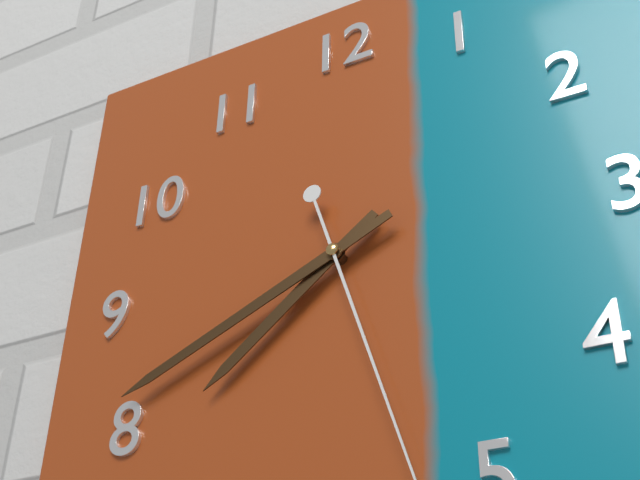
7h41
